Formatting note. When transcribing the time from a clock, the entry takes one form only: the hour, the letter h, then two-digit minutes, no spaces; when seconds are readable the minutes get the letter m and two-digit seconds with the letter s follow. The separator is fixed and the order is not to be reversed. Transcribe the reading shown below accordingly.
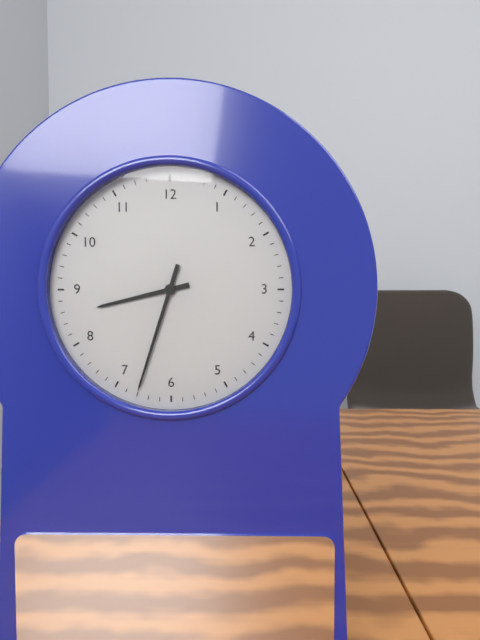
8h33
